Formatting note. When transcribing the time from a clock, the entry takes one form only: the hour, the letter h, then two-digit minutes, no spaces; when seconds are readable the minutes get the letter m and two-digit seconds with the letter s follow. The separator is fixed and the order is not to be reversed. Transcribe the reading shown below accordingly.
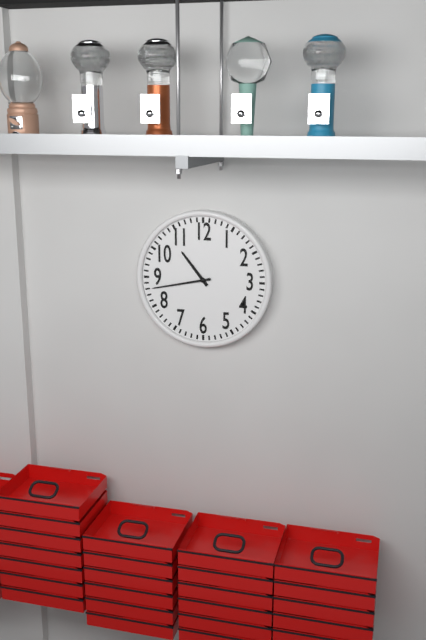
10h43
